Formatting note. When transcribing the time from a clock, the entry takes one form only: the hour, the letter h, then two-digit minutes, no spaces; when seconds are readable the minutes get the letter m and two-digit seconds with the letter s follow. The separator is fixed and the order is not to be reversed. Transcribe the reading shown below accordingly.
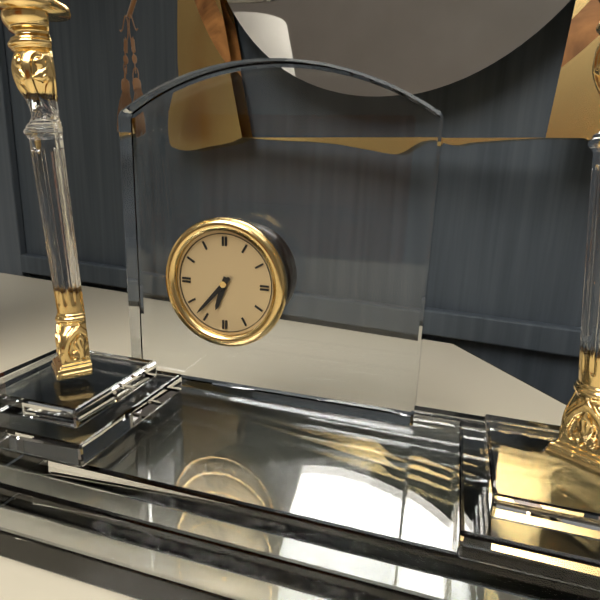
6h37
